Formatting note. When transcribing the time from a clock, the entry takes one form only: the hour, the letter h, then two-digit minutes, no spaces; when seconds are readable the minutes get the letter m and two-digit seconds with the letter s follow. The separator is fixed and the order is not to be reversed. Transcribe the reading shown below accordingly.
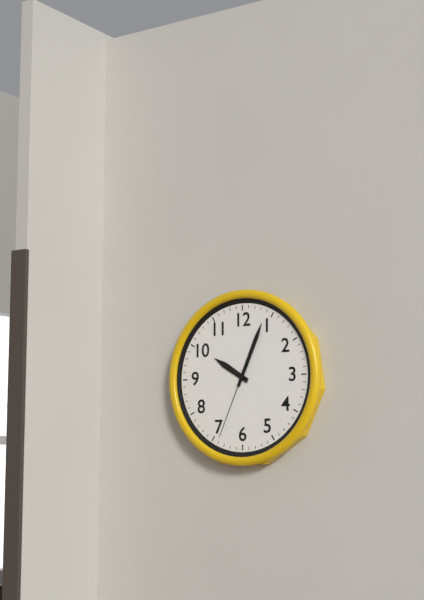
10h04m34s
